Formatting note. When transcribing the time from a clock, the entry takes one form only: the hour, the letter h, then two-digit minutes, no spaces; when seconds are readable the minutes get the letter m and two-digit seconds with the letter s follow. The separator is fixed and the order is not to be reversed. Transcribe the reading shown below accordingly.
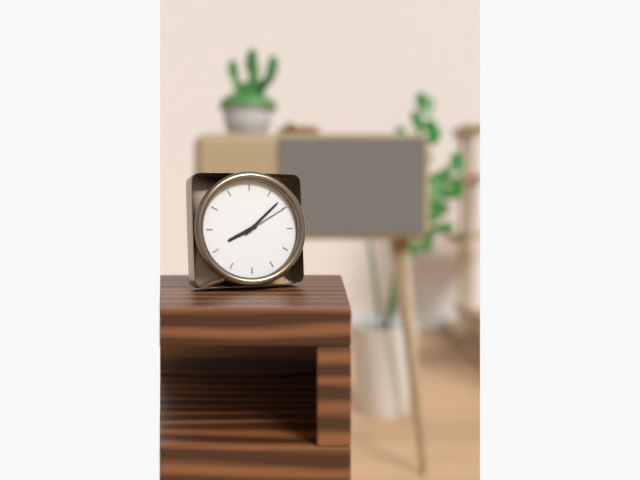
8h08m10s
